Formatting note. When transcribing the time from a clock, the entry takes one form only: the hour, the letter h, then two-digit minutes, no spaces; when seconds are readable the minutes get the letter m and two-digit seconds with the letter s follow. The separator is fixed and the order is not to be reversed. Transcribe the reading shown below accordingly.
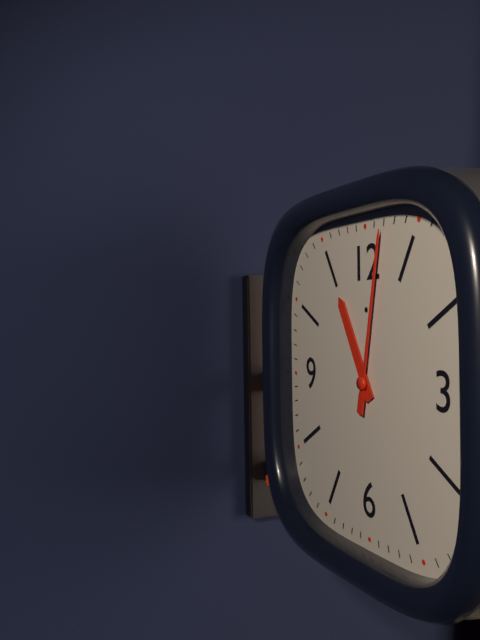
11h02
